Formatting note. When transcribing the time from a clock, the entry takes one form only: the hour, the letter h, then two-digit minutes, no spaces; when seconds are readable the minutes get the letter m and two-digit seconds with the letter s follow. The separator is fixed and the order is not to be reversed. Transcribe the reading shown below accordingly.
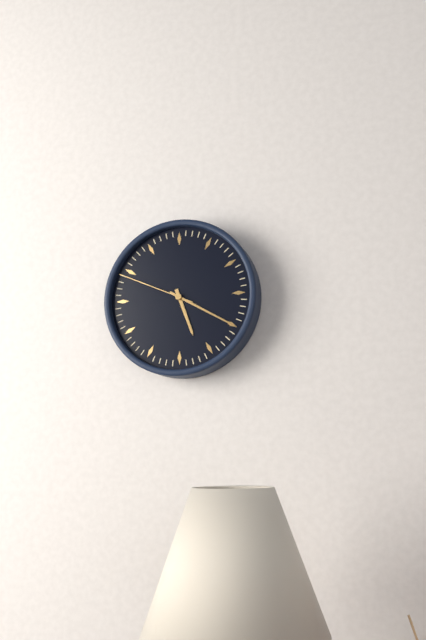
5h20m49s
